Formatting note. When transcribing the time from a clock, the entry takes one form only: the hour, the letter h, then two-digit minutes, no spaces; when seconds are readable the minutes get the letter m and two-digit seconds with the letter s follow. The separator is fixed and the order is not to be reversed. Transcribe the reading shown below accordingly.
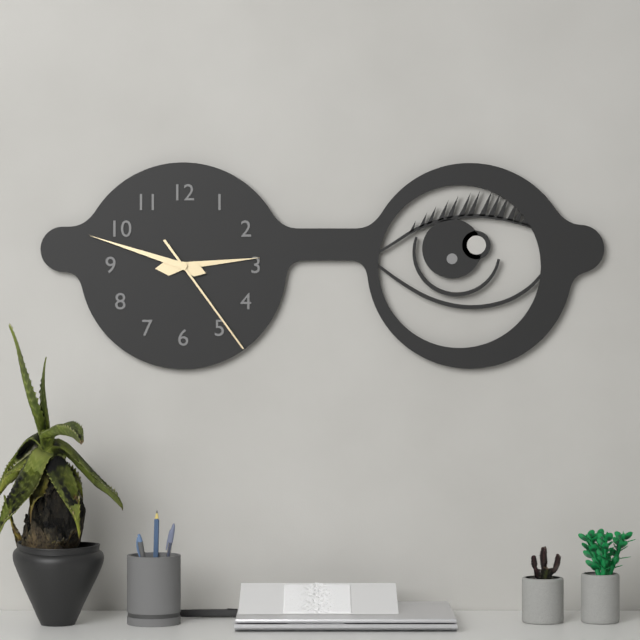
2h48m24s
